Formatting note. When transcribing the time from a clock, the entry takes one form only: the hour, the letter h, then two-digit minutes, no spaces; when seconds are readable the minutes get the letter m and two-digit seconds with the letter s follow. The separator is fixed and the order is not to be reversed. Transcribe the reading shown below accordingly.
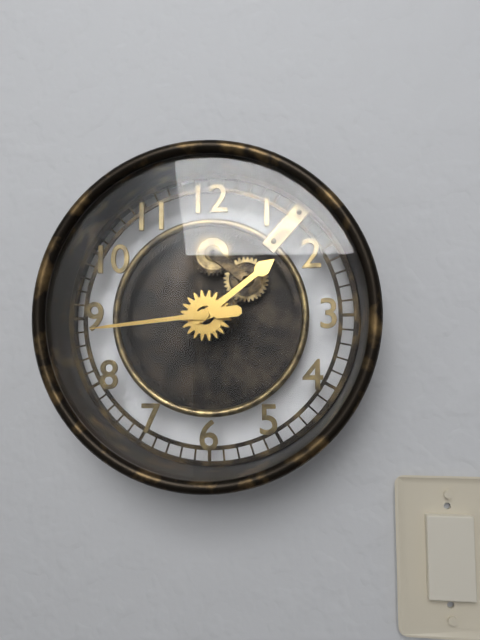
1h44
